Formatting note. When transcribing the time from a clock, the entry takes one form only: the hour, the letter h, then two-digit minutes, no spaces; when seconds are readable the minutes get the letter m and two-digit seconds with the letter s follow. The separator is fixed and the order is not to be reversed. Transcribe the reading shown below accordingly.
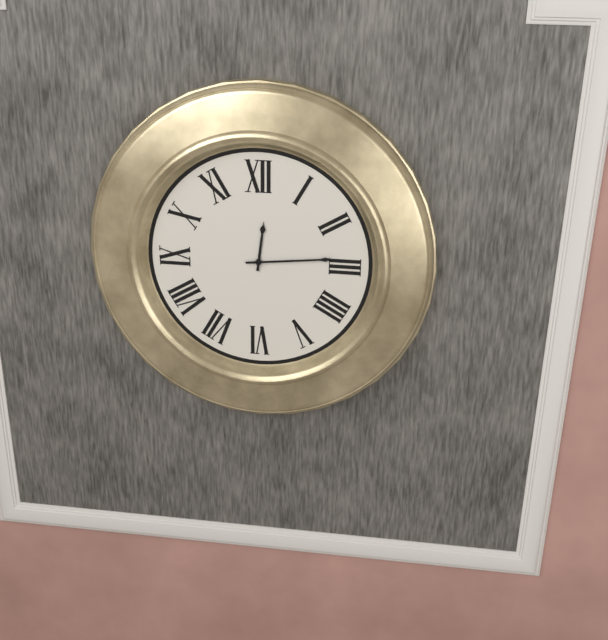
12h14
